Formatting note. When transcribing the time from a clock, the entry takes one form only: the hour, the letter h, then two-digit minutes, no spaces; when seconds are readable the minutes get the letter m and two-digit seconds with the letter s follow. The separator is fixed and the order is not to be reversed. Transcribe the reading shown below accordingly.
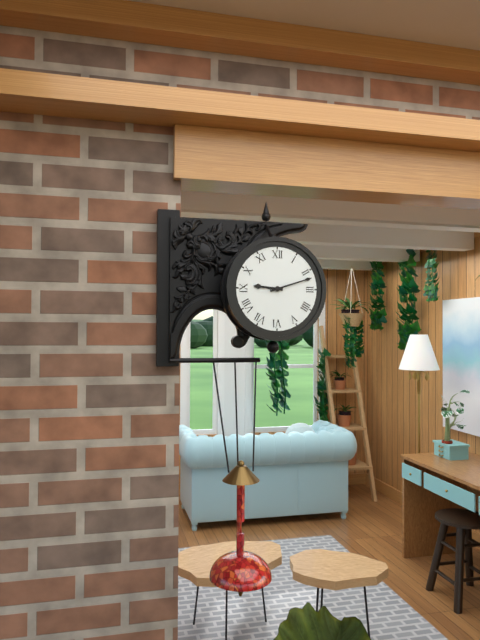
9h12
